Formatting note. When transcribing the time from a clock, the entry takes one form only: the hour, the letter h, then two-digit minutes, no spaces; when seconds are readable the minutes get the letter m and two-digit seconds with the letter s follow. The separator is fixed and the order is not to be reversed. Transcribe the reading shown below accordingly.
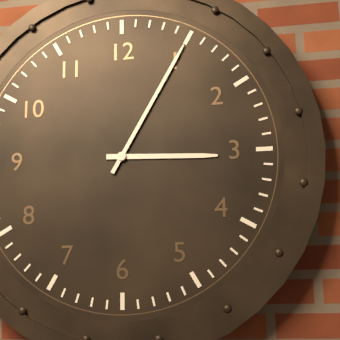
3h05
